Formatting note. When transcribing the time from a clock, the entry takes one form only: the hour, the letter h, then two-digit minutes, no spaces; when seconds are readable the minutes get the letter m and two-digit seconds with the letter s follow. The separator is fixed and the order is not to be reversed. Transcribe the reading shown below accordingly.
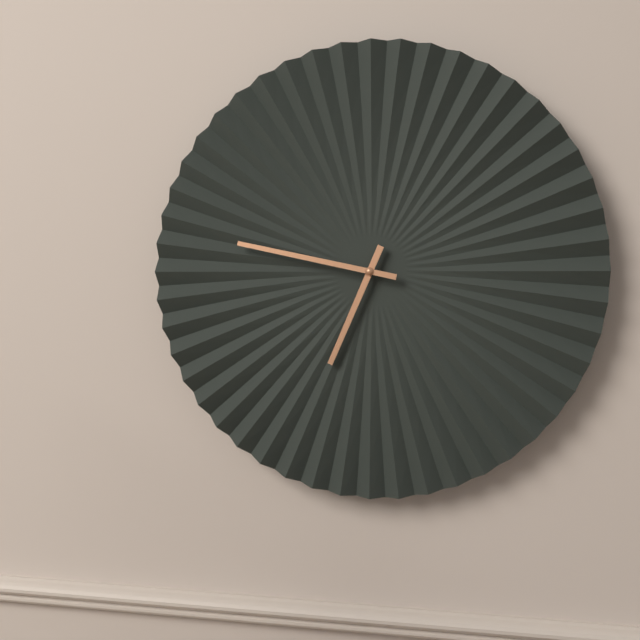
6h47
